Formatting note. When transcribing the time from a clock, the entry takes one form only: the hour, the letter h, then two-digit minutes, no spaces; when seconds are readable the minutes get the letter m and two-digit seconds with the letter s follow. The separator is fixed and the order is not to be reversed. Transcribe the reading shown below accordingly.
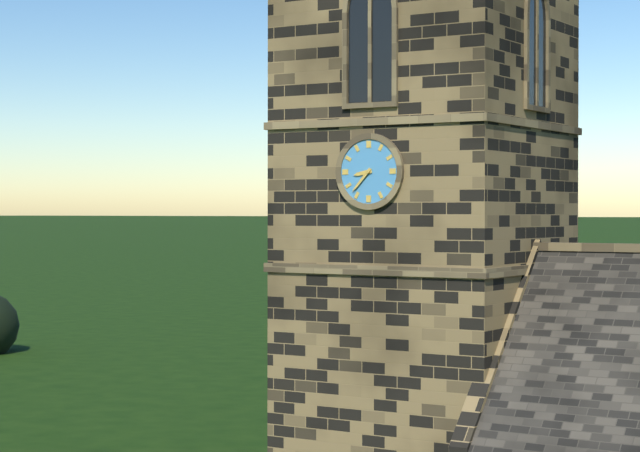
8h37
